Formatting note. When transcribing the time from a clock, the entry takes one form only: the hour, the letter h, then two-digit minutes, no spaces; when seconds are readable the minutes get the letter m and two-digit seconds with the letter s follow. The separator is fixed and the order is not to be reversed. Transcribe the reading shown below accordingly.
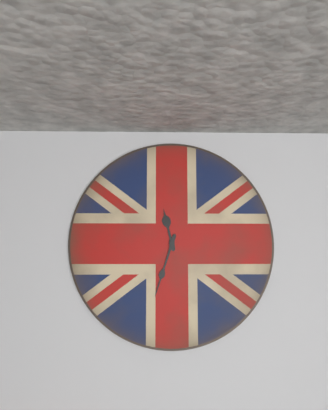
11h33
